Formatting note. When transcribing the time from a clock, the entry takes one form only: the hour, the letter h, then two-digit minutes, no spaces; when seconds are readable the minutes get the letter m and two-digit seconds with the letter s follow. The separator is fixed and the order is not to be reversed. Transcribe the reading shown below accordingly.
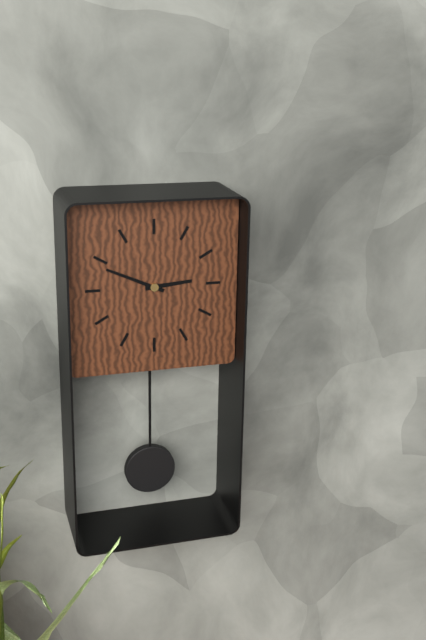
2h49
